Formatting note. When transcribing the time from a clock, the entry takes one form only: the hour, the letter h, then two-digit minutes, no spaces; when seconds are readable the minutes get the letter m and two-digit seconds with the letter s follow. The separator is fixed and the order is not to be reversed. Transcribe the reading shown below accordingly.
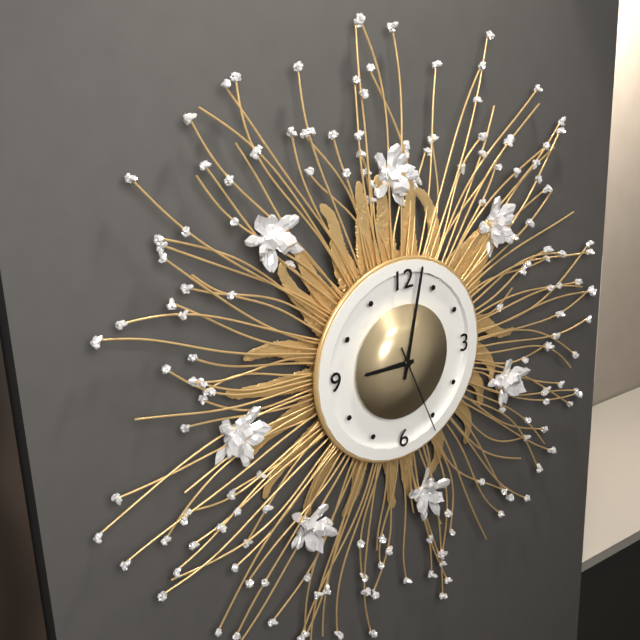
9h02m26s
